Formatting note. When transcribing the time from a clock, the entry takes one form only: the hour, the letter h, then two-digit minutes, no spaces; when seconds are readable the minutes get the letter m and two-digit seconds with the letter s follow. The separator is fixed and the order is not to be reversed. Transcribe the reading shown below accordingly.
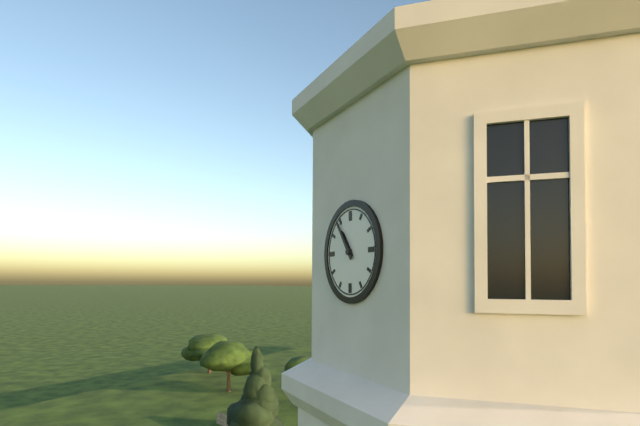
10h54
